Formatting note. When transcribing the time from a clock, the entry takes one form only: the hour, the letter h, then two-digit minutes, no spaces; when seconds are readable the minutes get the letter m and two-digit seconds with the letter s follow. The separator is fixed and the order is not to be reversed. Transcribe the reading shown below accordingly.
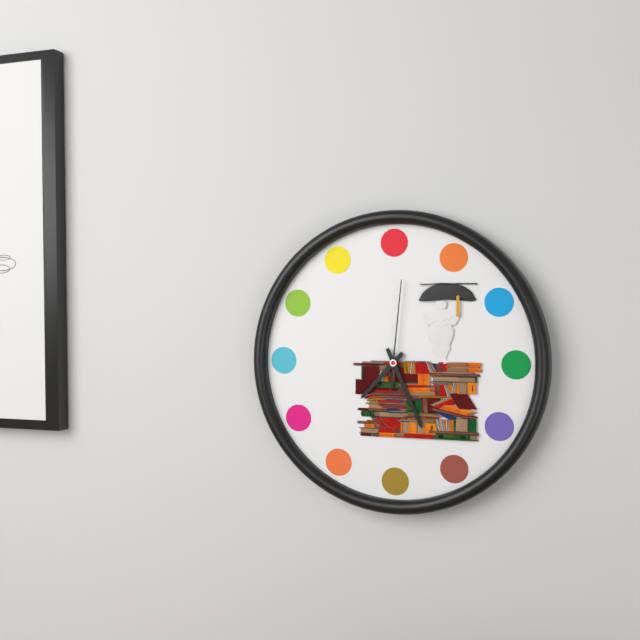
7h26m01s
